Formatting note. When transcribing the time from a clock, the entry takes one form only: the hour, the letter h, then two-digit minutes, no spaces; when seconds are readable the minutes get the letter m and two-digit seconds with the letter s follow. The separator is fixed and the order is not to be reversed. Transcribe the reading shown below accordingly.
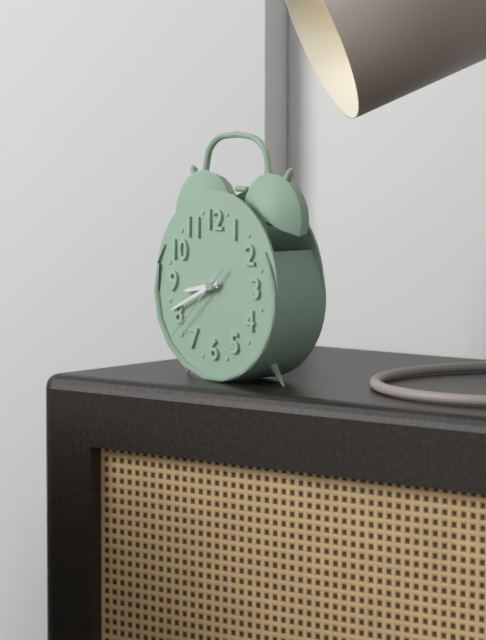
8h41m38s
